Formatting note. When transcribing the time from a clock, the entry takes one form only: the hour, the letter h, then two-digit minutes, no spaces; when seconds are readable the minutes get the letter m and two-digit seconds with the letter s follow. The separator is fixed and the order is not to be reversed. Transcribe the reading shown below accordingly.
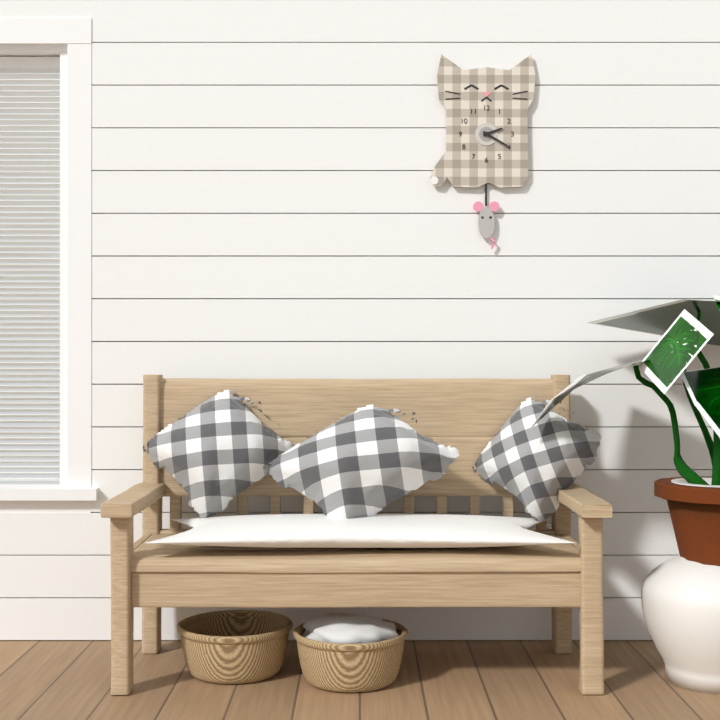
2h20
